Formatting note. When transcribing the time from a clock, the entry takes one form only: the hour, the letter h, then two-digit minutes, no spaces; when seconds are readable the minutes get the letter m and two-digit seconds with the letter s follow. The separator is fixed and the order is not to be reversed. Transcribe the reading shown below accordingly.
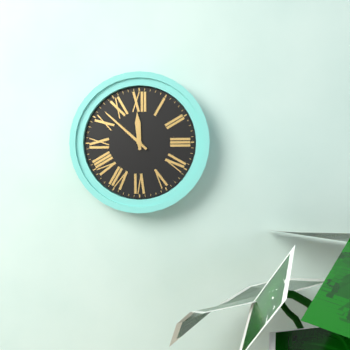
11h52
